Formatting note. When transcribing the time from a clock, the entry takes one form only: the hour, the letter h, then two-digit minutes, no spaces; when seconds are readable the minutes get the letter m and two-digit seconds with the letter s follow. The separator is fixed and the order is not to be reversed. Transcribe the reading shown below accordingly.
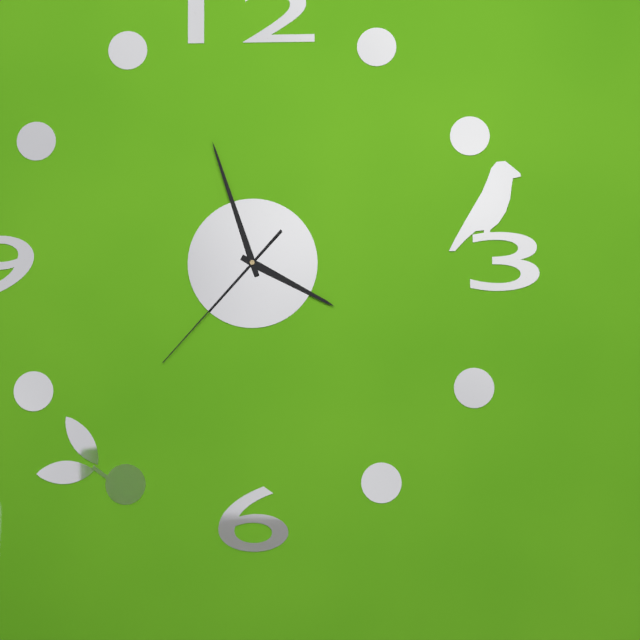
3h57m37s
